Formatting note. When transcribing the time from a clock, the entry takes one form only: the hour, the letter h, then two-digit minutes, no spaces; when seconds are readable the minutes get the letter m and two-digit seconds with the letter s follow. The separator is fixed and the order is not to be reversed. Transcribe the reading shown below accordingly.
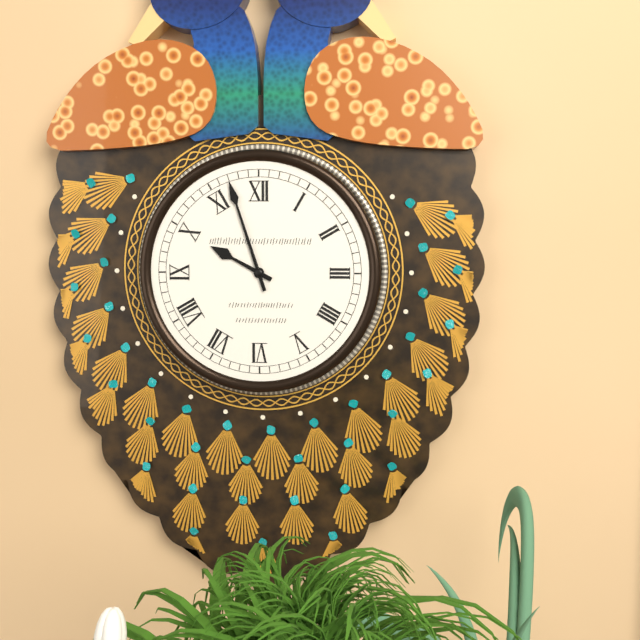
9h57
